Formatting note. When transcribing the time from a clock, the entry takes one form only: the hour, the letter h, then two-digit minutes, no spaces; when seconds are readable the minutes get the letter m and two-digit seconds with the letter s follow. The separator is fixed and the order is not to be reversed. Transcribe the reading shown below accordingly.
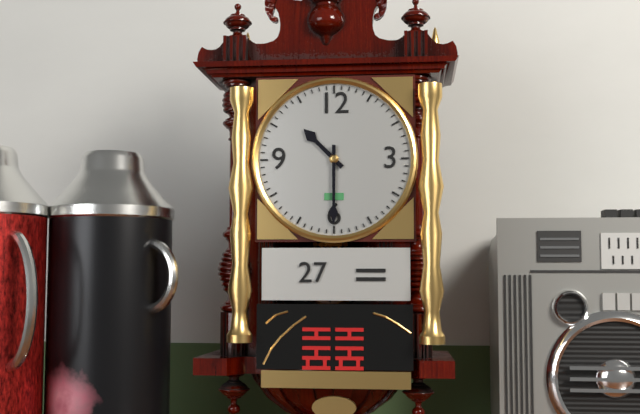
10h30
